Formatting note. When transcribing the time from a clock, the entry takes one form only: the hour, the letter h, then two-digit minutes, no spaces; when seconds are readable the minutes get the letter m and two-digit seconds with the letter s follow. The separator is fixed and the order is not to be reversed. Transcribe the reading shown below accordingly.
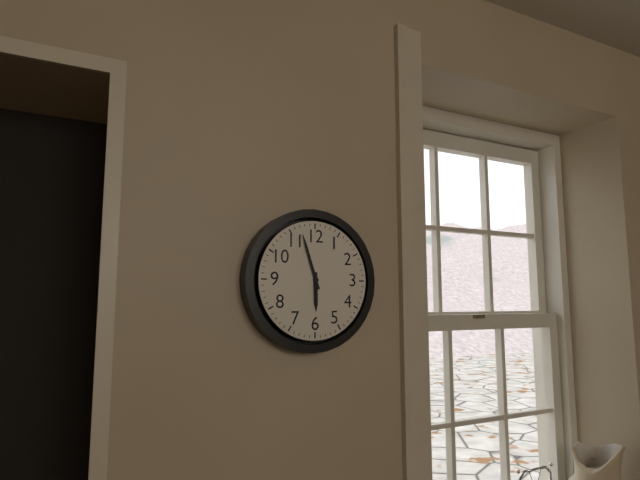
5h57
